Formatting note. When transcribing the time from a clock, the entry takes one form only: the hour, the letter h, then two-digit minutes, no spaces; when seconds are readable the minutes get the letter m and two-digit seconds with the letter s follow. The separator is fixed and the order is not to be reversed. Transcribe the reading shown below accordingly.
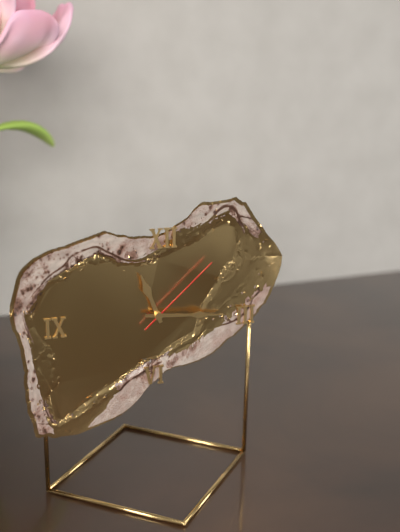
11h16m08s
